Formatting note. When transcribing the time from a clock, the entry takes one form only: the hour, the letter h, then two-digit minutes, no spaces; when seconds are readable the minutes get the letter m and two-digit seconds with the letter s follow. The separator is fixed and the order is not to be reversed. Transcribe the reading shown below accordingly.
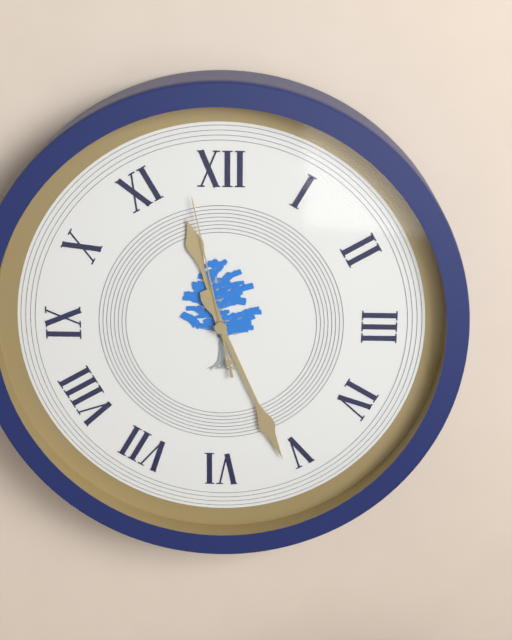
11h26m58s
